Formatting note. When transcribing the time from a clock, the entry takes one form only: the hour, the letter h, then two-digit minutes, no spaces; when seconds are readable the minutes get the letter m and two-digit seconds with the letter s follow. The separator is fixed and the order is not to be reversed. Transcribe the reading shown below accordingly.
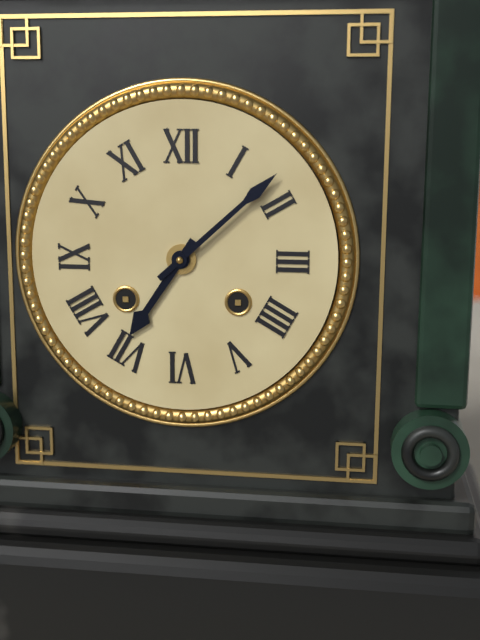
7h08
